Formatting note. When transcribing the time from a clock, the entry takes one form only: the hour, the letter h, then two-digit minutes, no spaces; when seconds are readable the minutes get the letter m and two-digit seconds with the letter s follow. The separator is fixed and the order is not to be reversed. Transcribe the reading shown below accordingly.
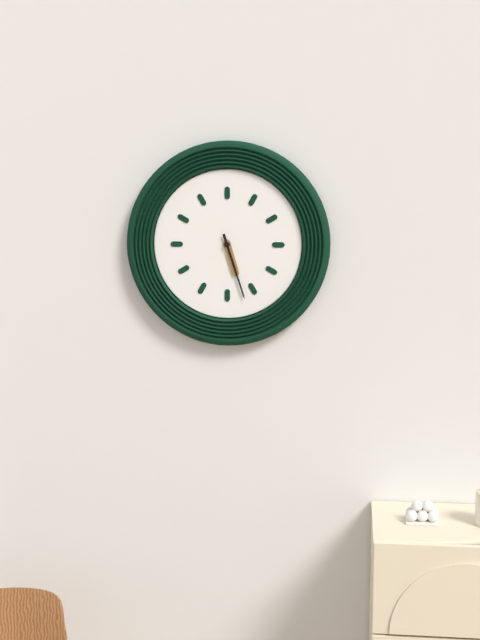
5h27
